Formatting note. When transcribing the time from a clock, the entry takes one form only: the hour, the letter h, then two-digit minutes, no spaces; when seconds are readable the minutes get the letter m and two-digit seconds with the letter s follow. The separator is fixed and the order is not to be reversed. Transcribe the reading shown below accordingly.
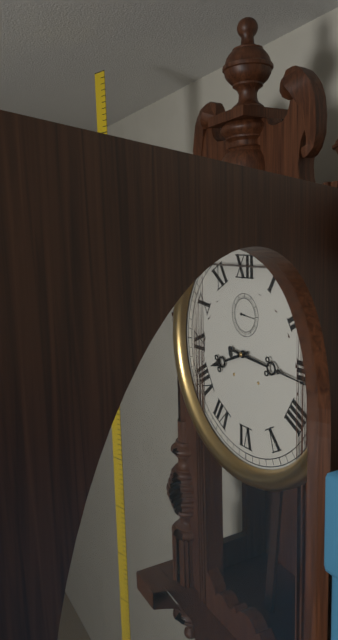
8h16
